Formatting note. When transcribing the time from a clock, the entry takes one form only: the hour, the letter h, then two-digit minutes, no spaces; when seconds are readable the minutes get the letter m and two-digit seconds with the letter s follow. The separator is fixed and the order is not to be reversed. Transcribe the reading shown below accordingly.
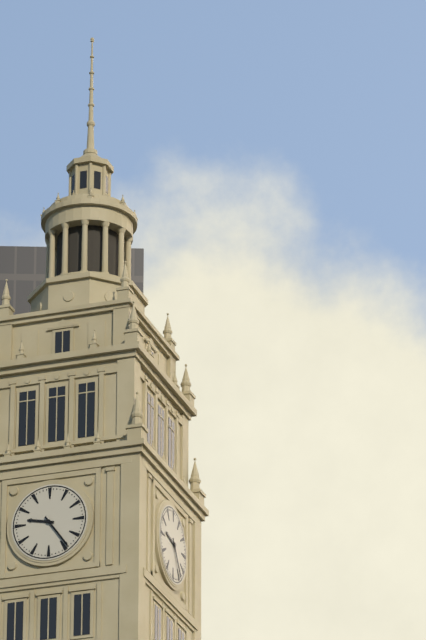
9h24
